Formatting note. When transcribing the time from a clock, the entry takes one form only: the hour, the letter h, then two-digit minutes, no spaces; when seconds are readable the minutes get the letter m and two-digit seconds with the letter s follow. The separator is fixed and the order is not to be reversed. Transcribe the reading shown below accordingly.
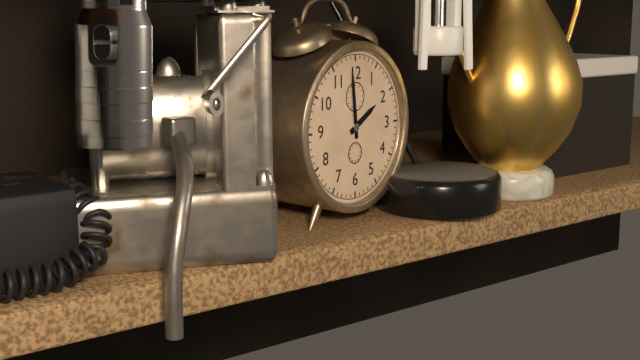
1h59
